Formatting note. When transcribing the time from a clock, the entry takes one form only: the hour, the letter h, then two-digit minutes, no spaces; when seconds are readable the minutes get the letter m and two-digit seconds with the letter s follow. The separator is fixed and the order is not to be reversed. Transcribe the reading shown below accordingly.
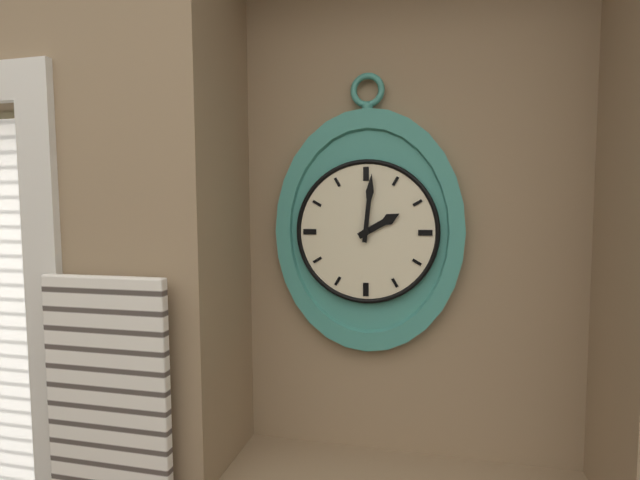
2h01
